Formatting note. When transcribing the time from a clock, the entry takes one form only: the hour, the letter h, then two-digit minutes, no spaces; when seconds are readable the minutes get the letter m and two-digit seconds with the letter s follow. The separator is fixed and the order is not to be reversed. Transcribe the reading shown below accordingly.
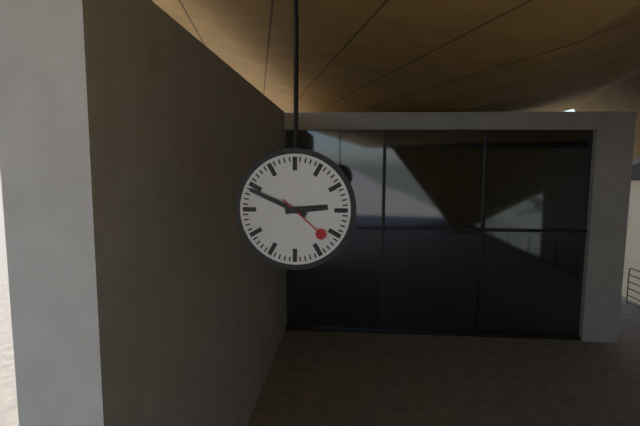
2h49m22s
